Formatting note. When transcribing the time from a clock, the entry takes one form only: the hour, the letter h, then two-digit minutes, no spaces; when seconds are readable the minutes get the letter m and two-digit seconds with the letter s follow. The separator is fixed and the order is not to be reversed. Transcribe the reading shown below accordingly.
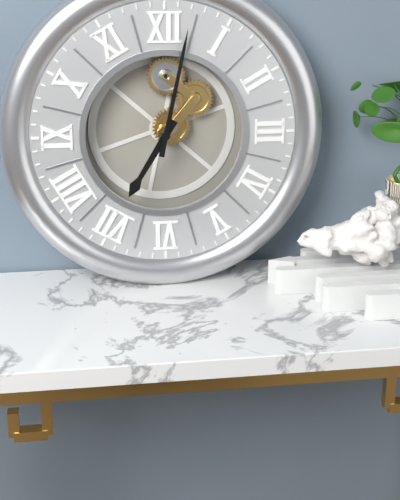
7h02
